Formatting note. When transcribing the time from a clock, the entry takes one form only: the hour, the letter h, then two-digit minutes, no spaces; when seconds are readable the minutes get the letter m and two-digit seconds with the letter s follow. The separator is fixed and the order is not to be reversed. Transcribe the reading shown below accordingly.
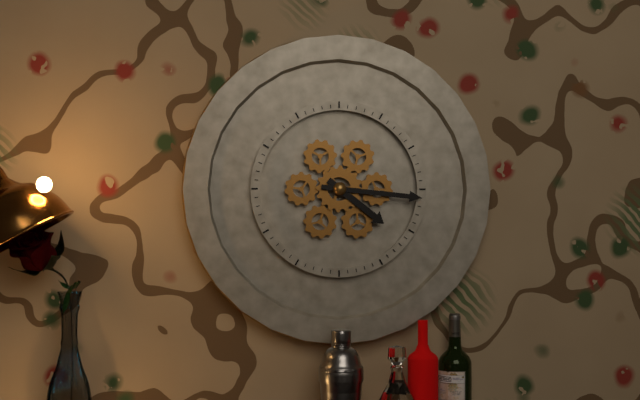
4h16
